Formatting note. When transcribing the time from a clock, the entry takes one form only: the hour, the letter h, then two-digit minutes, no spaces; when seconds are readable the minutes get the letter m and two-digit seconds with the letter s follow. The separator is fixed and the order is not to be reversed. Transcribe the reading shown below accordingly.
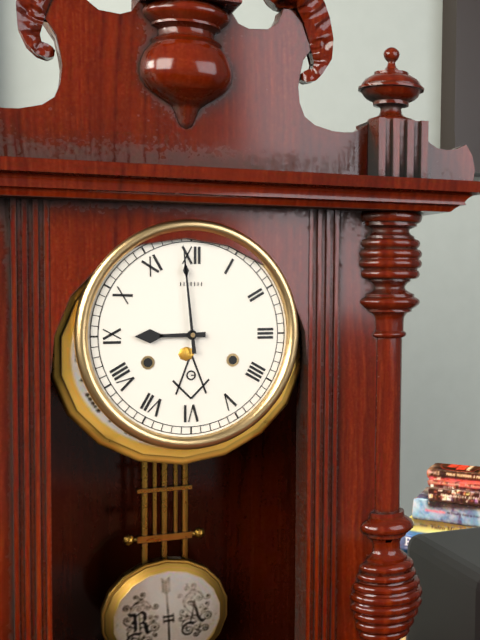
8h59
